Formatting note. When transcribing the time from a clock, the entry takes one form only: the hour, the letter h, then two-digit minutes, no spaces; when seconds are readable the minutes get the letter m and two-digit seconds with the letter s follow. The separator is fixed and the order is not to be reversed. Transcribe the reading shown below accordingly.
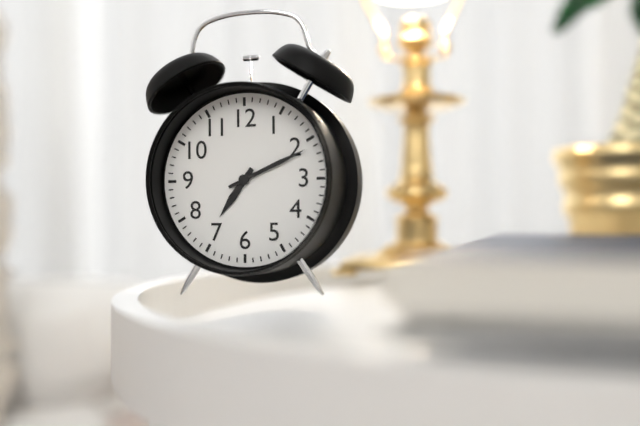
7h11
